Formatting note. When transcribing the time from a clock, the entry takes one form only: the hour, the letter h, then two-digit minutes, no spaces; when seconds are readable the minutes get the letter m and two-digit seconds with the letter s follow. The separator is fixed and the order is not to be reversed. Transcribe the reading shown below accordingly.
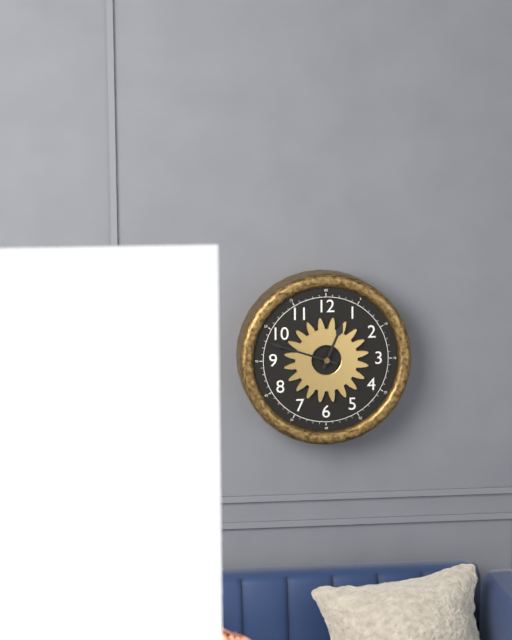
12h48
